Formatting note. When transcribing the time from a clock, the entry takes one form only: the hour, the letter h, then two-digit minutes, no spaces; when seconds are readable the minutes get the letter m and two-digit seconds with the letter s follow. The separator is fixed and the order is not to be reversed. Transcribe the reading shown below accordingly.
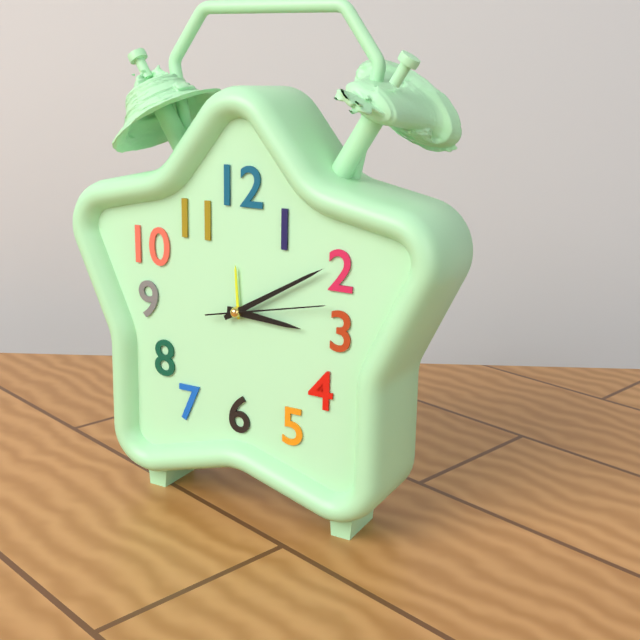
3h10m13s
